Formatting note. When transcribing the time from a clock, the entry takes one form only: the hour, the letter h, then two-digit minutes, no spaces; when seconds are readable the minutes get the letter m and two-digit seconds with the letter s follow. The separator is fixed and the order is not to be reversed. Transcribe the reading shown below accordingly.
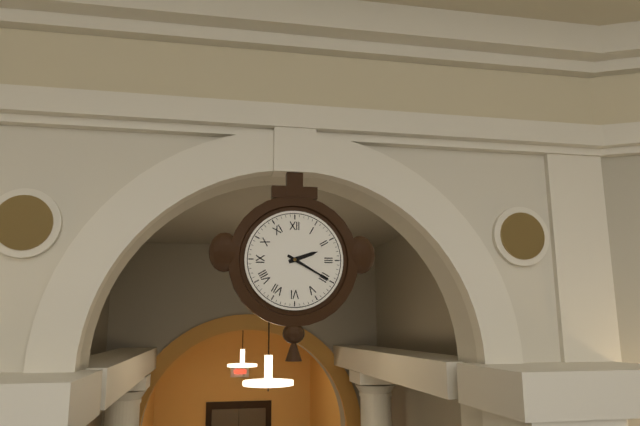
2h20
